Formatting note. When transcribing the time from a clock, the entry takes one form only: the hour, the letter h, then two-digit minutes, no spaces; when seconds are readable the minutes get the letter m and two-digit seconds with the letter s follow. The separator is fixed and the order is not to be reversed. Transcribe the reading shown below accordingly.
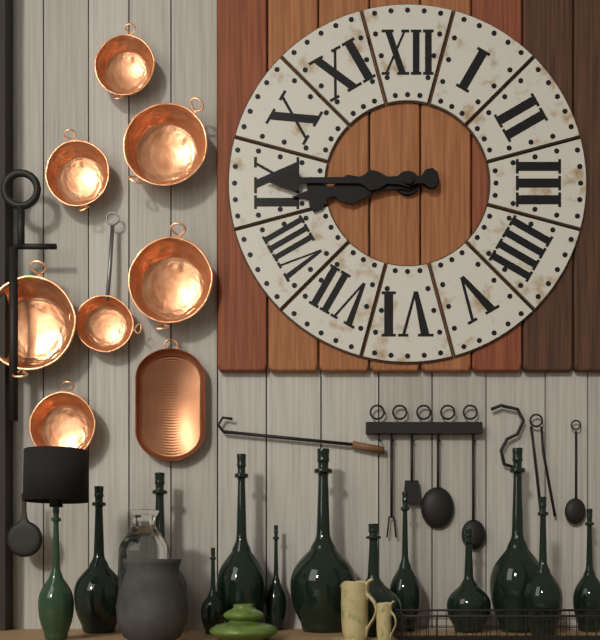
8h45
